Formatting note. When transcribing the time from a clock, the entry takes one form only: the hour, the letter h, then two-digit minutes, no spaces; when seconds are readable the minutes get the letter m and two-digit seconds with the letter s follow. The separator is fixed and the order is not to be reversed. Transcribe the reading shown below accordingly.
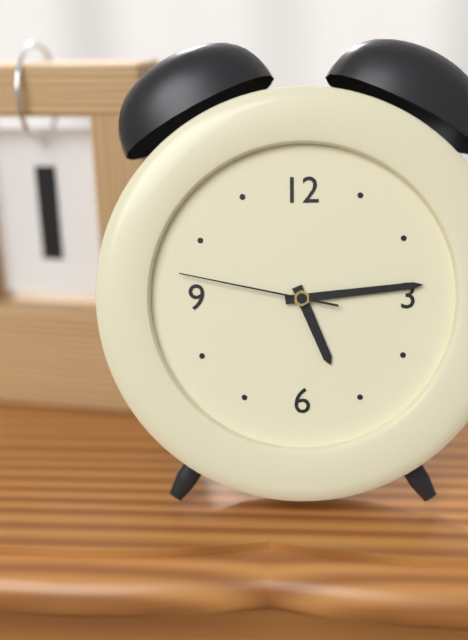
5h14m47s
